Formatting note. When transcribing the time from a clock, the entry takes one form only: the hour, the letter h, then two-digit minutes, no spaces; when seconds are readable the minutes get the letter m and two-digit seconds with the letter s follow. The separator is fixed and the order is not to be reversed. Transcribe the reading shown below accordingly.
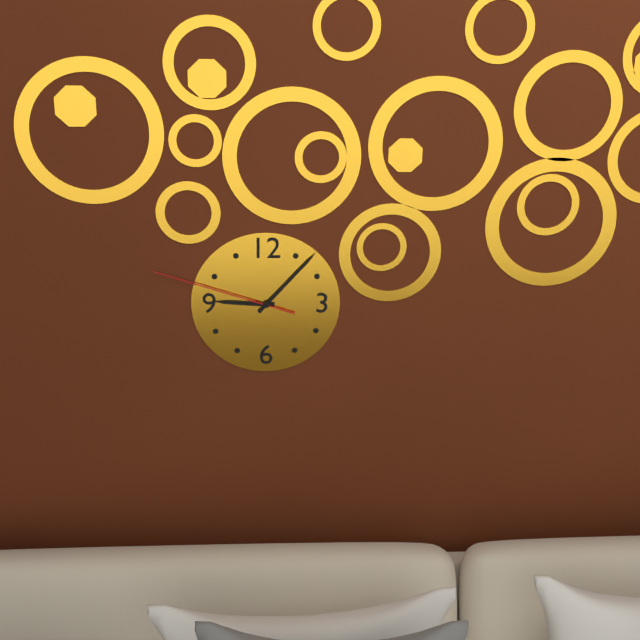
9h07m48s
